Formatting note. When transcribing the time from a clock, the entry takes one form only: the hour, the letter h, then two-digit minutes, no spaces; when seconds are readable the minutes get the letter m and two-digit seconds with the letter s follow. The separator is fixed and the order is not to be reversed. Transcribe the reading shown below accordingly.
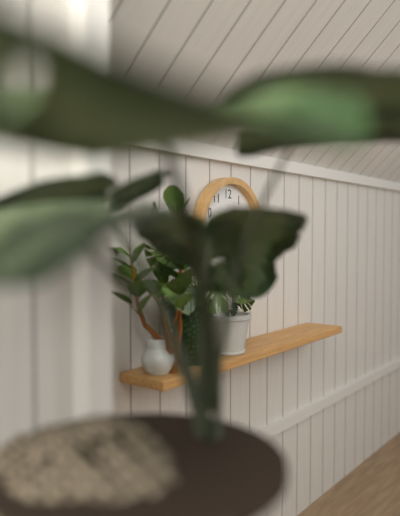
3h19
